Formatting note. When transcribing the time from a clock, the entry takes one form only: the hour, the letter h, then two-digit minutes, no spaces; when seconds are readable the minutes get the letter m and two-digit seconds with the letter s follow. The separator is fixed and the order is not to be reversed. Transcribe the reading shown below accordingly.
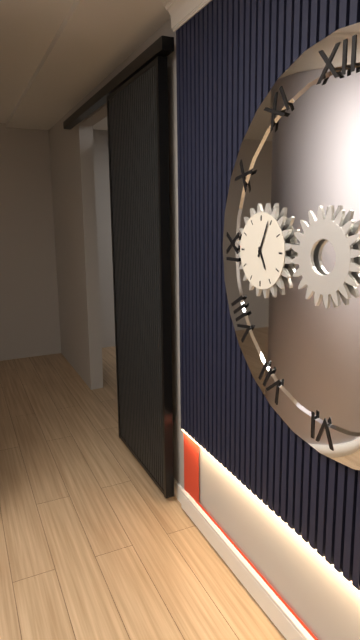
5h04
